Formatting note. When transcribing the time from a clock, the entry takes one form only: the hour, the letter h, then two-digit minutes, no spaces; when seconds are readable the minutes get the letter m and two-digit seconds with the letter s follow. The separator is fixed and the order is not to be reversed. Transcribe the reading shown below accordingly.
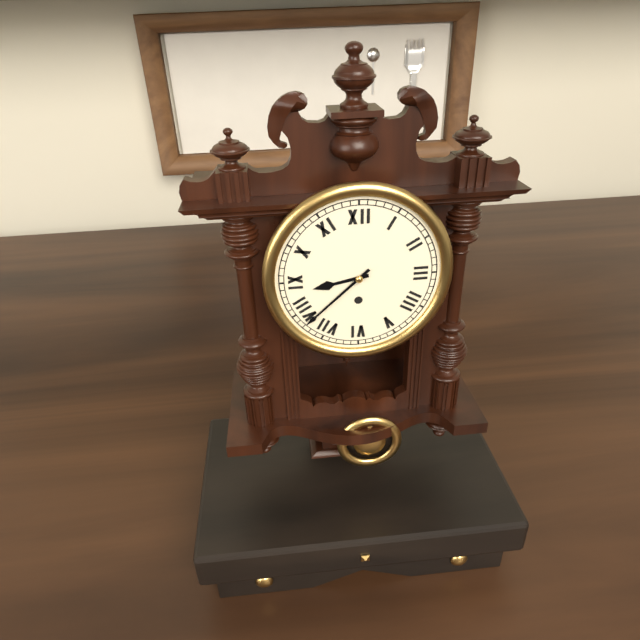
8h38
